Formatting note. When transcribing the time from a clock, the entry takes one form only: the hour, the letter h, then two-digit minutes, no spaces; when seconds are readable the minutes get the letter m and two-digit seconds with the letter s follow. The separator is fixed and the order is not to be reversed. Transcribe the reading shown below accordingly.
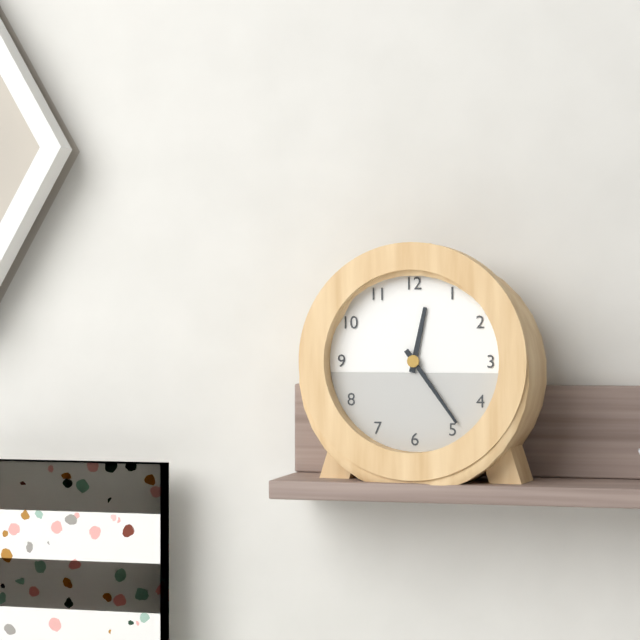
12h24
